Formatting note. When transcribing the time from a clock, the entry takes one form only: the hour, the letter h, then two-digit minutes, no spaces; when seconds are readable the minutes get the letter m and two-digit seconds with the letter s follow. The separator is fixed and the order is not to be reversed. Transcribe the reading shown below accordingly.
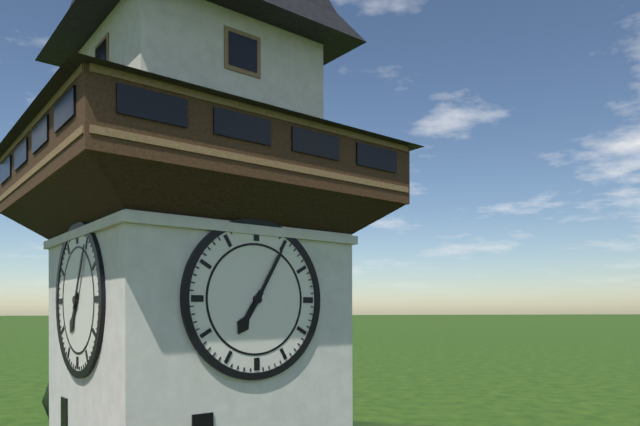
7h05
